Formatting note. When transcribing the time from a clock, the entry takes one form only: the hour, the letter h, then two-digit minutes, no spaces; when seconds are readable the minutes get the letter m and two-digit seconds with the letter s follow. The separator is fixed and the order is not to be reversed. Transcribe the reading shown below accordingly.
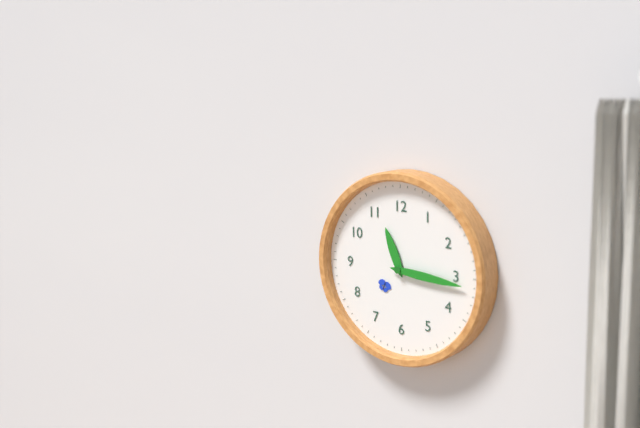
11h16
